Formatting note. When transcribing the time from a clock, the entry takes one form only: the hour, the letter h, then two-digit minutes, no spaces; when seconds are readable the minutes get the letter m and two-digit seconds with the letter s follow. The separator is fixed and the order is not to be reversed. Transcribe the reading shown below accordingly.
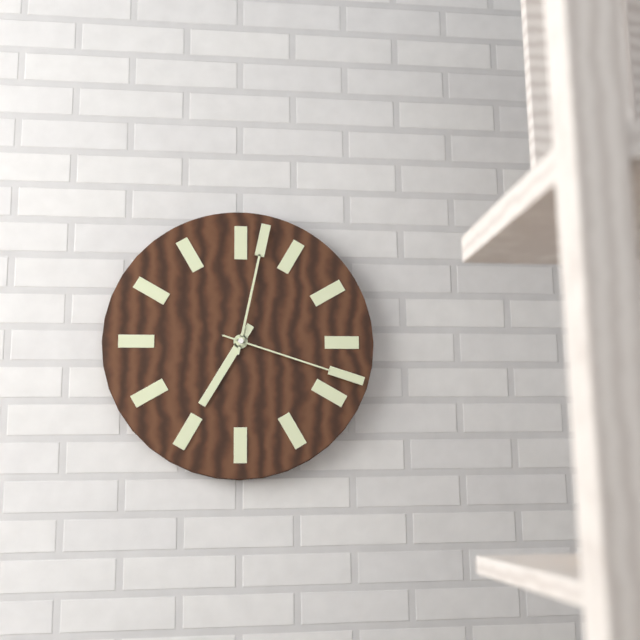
7h02m18s
